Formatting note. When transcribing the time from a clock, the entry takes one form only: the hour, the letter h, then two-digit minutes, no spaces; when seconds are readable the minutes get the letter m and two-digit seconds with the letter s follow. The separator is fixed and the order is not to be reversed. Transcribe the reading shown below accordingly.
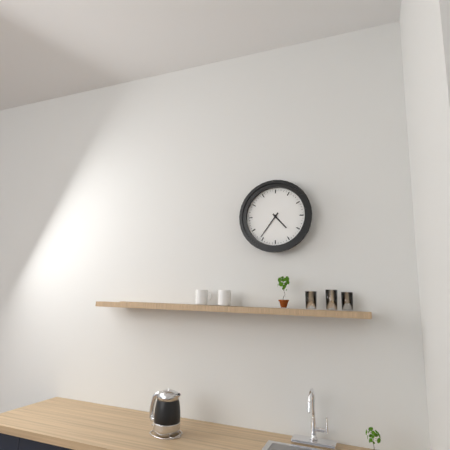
4h36
